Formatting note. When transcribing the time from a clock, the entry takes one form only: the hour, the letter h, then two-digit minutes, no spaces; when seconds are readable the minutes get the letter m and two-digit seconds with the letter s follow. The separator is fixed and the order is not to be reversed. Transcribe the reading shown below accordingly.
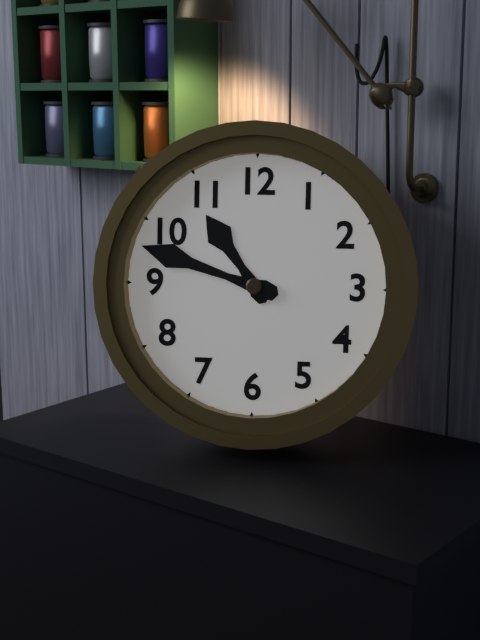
10h48
